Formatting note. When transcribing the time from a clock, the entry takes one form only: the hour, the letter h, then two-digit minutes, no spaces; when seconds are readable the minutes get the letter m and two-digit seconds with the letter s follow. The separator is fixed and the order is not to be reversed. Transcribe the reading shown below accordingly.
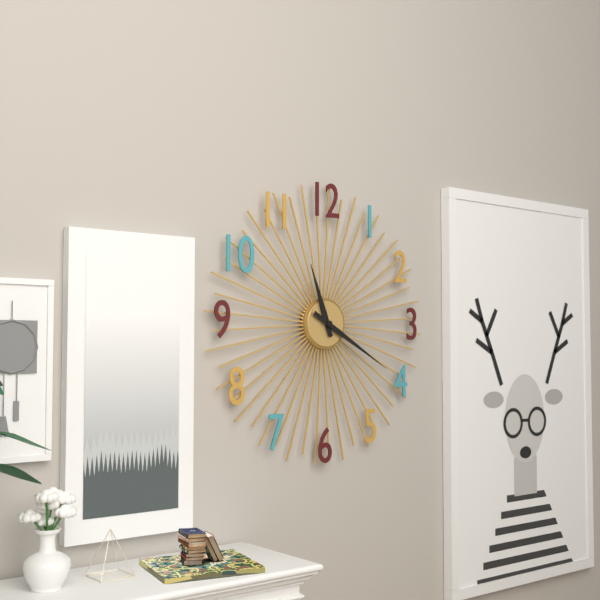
11h20
